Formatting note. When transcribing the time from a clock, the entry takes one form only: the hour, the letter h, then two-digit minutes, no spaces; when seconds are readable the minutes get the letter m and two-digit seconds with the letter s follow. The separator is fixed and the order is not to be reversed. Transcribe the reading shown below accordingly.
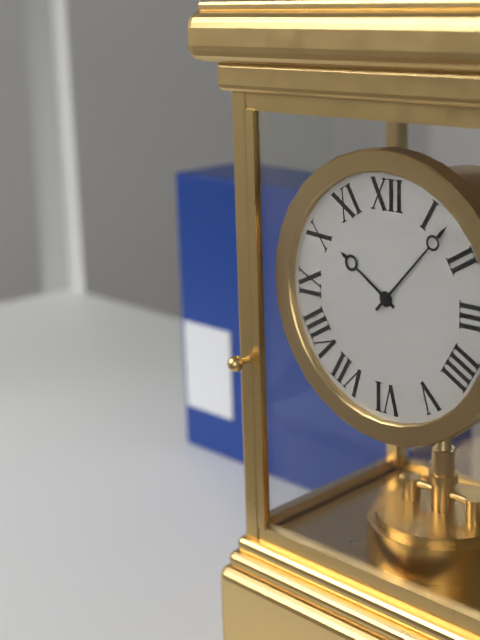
10h07
